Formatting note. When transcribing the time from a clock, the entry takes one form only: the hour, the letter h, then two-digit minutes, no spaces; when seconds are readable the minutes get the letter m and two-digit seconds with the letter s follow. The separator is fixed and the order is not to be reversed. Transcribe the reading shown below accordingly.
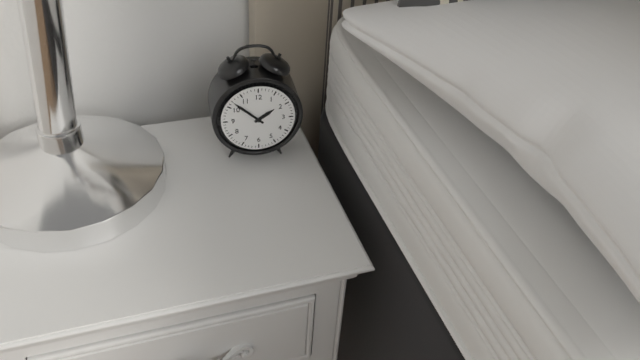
1h52
